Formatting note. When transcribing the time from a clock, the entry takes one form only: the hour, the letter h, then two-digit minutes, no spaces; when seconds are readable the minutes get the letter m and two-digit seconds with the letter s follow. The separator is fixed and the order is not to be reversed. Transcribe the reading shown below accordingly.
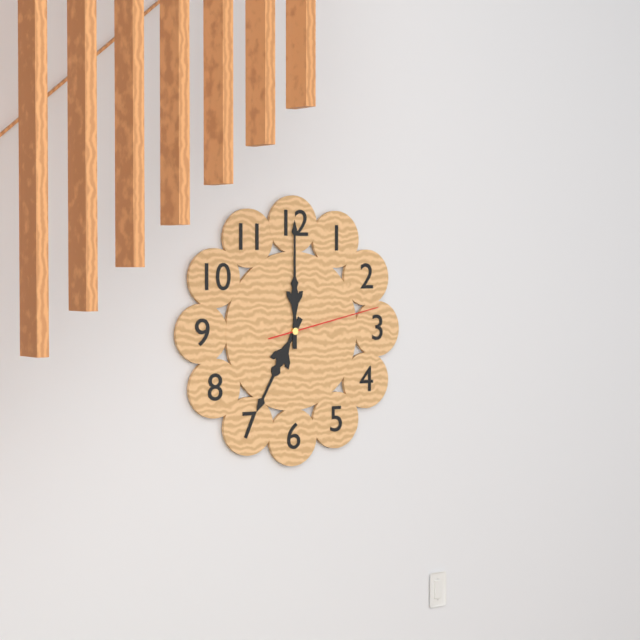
7h00m13s
